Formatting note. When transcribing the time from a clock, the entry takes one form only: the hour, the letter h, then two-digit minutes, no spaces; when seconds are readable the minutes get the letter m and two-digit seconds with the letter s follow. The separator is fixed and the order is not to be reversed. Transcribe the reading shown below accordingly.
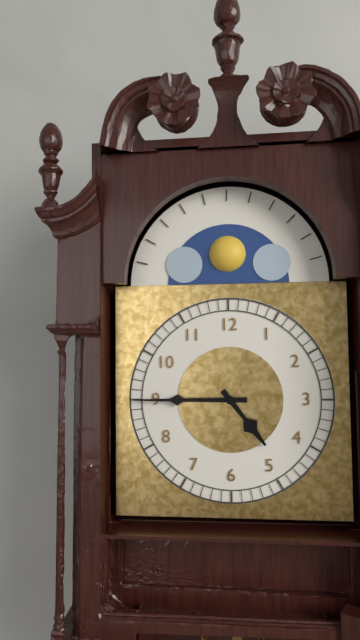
4h45
